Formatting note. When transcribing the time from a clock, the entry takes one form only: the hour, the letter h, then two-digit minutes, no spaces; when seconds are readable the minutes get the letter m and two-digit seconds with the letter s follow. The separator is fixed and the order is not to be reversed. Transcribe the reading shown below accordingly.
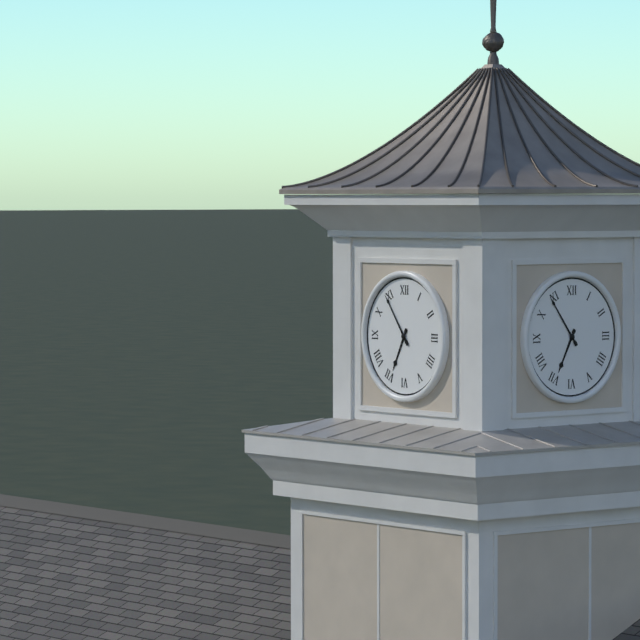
6h54
